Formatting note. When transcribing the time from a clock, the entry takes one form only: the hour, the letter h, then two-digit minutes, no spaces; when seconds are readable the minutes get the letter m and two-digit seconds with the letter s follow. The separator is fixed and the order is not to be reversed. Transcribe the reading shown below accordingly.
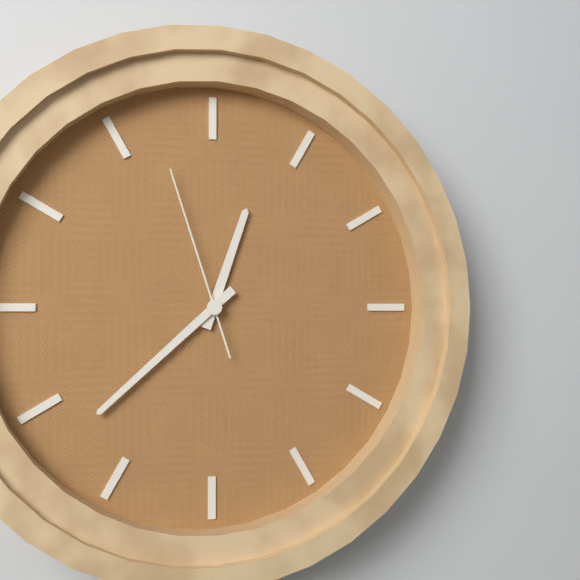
12h38m57s
